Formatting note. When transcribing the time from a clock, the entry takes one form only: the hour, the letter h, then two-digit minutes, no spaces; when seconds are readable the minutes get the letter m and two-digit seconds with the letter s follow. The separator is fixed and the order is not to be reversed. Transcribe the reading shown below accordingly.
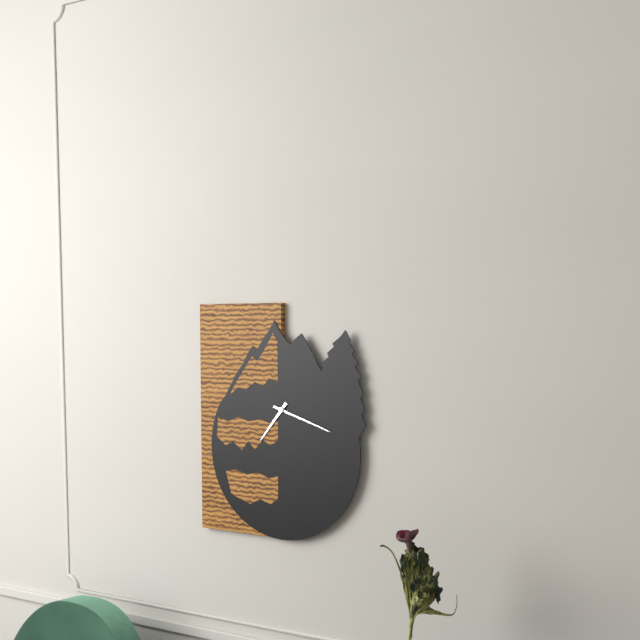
7h18
